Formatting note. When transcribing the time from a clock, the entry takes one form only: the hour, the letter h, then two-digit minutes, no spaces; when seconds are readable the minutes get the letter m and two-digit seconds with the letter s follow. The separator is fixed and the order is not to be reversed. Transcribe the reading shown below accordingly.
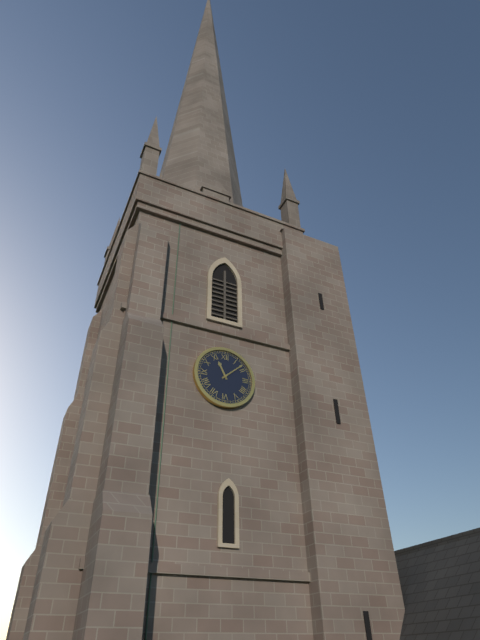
11h08
